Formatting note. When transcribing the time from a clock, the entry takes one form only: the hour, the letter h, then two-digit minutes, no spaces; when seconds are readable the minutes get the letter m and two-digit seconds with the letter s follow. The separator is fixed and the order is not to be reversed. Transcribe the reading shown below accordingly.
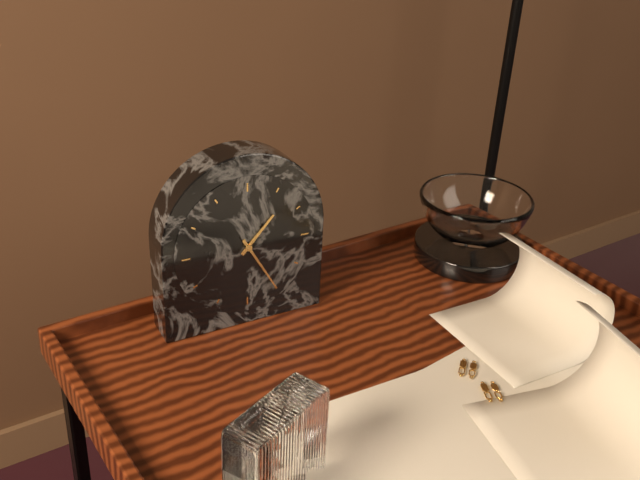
1h25
